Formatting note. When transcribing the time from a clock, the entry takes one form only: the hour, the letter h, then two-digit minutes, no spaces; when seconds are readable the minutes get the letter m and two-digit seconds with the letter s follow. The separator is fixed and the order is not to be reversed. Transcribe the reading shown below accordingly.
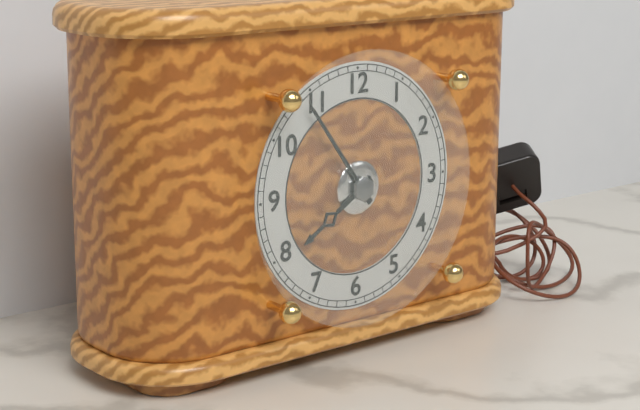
7h54
